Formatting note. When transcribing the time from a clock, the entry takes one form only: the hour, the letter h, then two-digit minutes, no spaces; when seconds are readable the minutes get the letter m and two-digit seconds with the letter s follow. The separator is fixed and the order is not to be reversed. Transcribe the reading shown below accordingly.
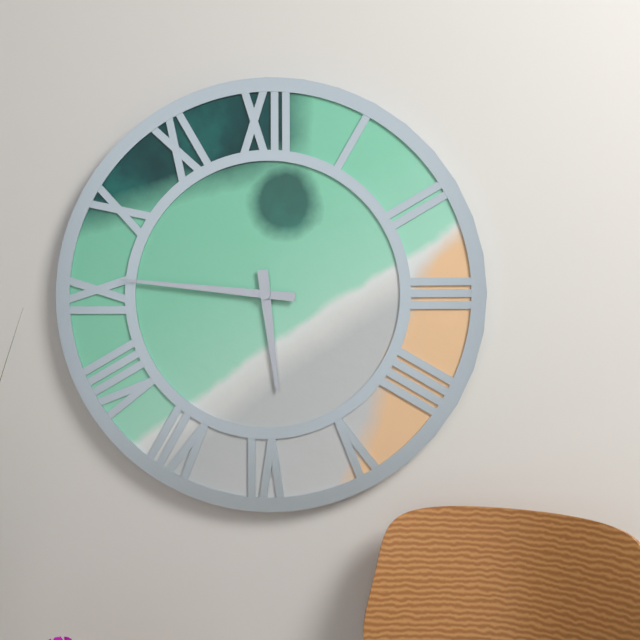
5h46
